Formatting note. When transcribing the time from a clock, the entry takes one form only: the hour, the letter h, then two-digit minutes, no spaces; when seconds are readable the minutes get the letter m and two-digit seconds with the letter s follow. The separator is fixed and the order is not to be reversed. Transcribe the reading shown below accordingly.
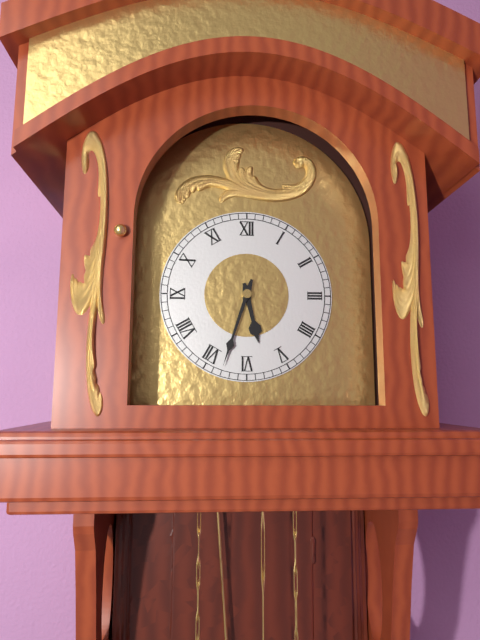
5h33
